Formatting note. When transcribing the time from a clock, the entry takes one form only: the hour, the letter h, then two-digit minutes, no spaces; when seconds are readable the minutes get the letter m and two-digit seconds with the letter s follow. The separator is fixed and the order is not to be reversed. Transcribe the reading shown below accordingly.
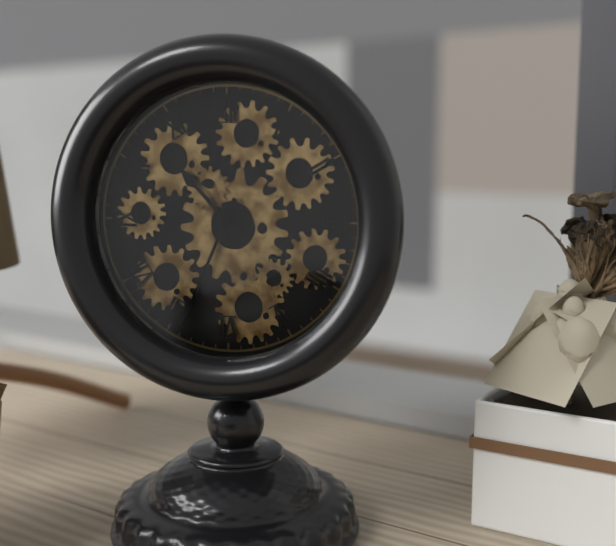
10h34
